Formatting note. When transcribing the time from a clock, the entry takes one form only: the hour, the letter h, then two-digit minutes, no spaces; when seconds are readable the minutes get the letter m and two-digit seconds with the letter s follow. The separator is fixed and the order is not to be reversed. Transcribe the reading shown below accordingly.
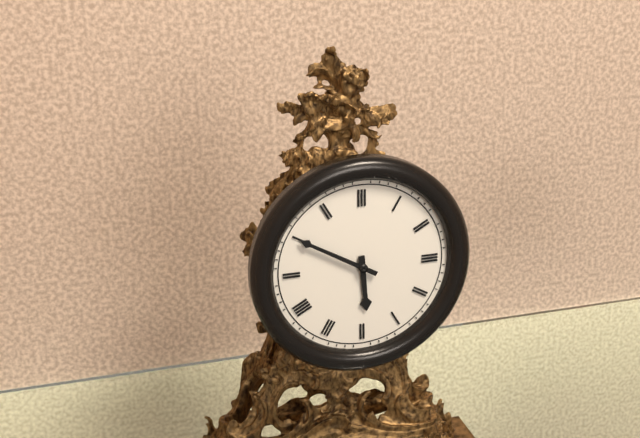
5h50
